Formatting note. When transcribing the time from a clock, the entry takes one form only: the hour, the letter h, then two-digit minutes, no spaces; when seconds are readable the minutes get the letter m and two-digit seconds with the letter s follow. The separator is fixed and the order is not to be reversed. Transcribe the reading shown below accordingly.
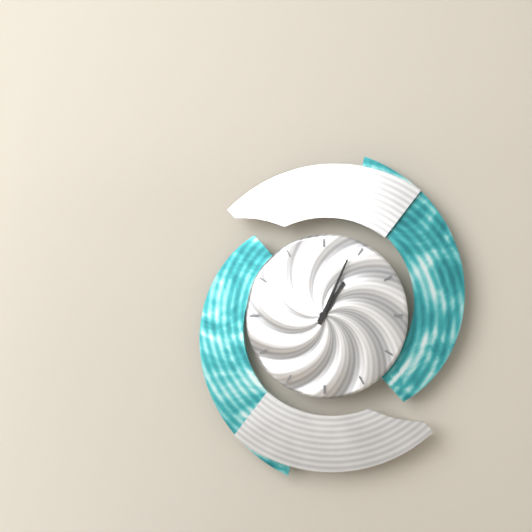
1h04
